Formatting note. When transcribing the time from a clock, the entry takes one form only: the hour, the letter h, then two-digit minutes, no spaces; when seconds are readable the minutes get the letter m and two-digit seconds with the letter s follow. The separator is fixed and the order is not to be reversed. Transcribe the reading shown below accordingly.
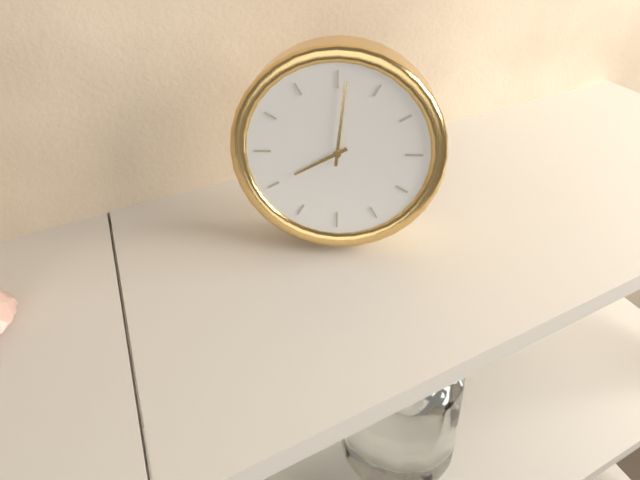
8h01
